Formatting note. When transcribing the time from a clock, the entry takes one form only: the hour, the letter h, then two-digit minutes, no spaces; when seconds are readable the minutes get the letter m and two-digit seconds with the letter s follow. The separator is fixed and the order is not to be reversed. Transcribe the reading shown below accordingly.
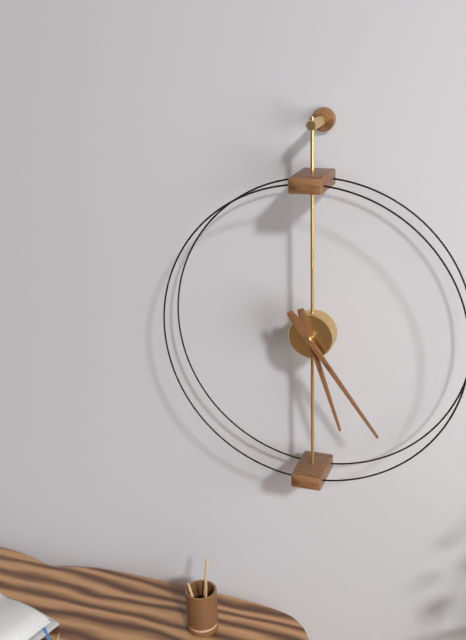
5h24
